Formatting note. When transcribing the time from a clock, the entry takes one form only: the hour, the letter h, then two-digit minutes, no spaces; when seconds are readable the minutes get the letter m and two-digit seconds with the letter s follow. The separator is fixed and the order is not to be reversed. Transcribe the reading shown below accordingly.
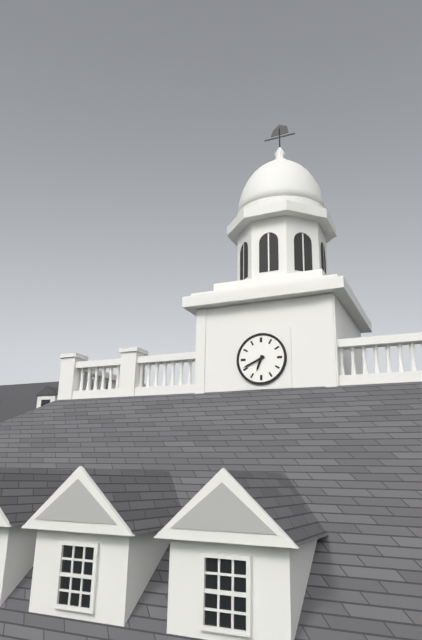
6h41
